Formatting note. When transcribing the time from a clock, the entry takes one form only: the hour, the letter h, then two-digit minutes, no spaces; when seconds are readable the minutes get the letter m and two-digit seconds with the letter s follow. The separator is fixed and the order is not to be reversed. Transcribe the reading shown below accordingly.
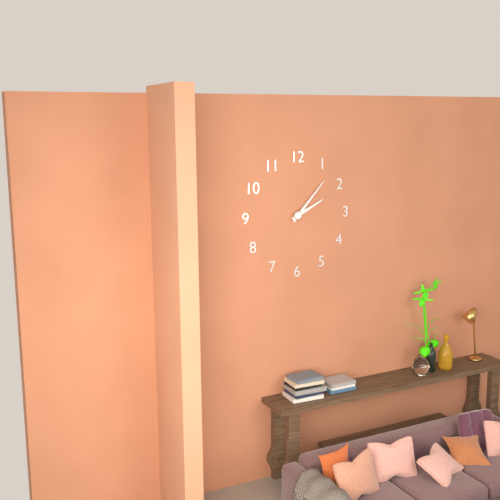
2h07
